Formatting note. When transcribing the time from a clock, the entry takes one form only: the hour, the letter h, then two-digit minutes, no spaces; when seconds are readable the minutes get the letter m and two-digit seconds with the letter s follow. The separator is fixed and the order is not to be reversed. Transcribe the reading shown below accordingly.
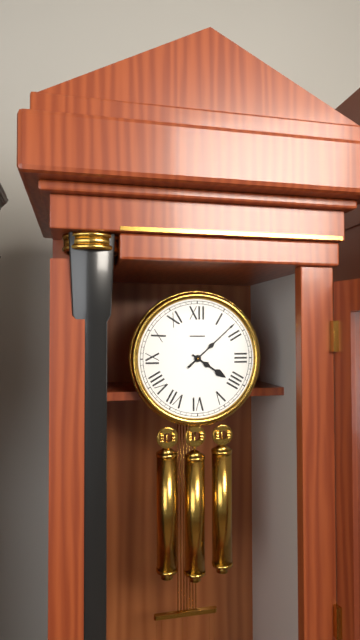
4h08
